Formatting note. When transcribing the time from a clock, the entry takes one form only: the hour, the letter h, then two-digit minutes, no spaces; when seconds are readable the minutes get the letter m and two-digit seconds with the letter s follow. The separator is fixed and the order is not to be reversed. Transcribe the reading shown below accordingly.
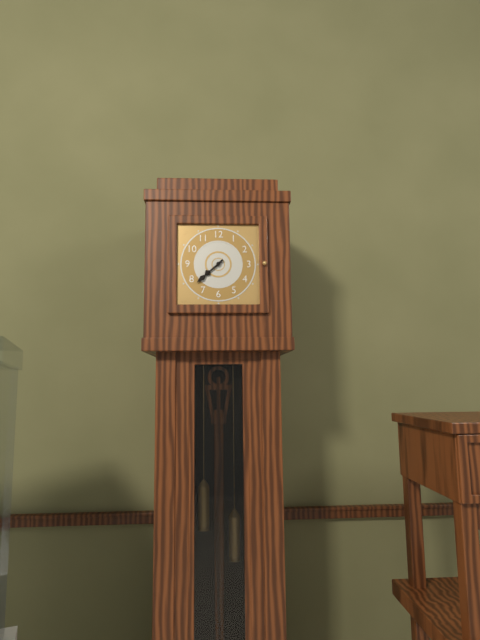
7h38
